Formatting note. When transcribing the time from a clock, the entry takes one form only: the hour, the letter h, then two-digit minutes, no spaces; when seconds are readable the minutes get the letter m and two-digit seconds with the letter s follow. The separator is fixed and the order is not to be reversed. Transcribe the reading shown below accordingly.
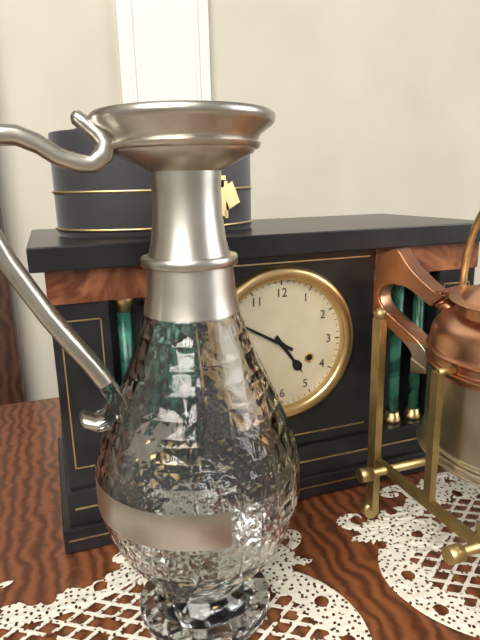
4h50
